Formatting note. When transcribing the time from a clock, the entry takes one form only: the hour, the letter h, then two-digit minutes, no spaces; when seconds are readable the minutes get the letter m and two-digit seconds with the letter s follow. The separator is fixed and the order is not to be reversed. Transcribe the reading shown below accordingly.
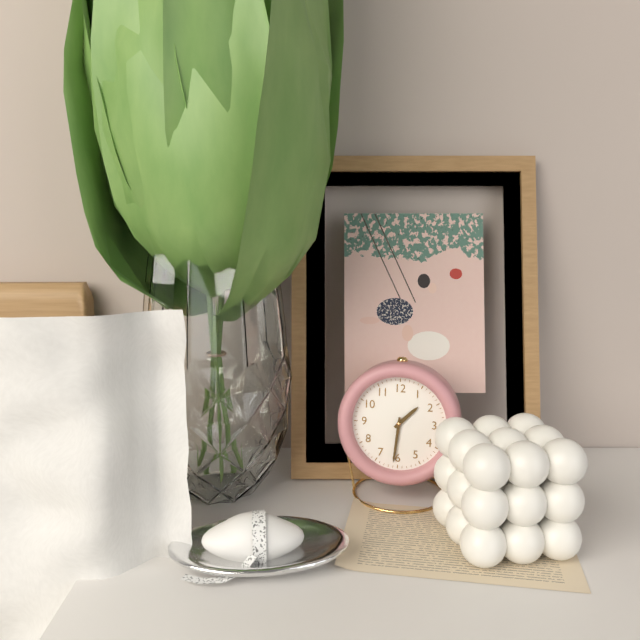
1h31
